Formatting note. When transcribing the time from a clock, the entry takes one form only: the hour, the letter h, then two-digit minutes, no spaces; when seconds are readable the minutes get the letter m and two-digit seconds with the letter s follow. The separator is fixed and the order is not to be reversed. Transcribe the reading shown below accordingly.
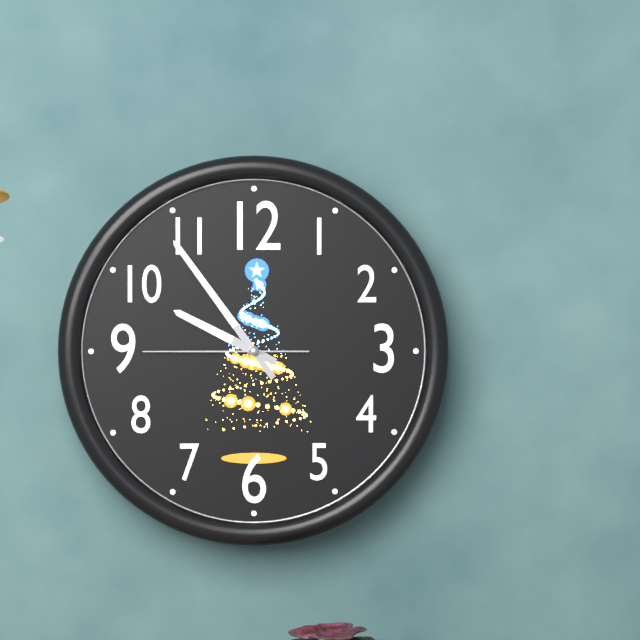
9h54m45s
